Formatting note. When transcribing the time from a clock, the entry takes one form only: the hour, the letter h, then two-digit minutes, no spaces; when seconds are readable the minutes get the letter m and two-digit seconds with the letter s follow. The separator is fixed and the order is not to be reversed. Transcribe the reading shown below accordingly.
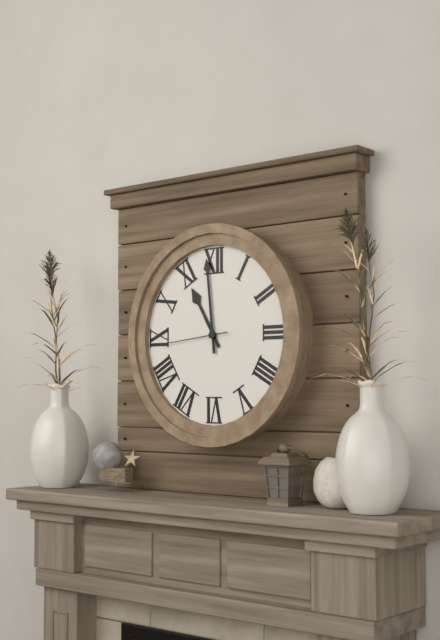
10h59m44s
